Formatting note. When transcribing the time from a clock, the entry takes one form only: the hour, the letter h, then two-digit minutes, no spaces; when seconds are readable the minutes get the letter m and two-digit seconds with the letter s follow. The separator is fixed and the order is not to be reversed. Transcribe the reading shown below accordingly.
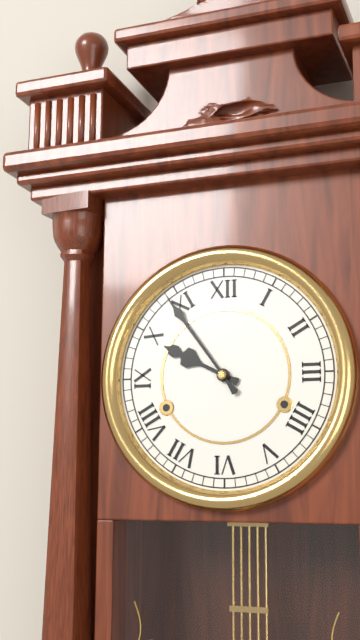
9h54
